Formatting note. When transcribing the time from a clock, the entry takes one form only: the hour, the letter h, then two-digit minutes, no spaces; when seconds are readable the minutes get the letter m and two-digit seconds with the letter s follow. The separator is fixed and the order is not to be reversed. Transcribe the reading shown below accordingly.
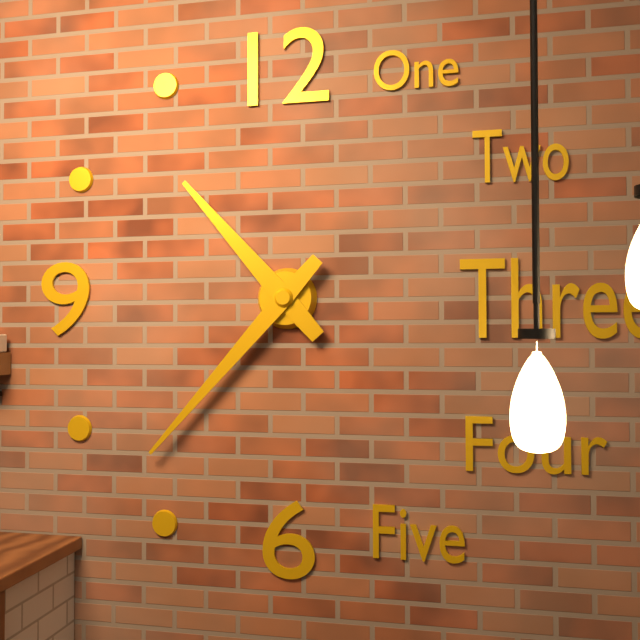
10h37
